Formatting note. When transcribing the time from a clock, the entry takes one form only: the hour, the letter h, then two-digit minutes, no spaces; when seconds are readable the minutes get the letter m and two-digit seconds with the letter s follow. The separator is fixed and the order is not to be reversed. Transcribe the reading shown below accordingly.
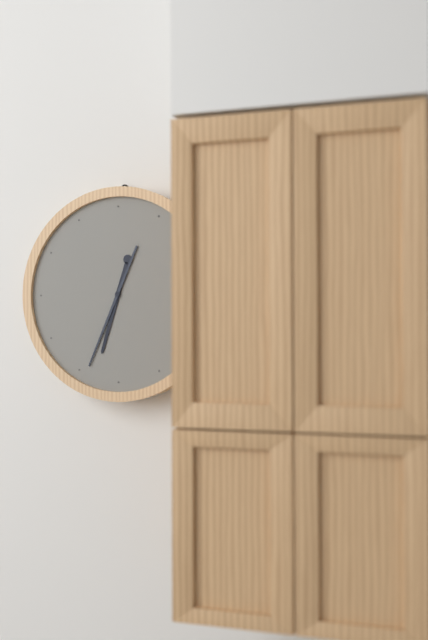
6h34
